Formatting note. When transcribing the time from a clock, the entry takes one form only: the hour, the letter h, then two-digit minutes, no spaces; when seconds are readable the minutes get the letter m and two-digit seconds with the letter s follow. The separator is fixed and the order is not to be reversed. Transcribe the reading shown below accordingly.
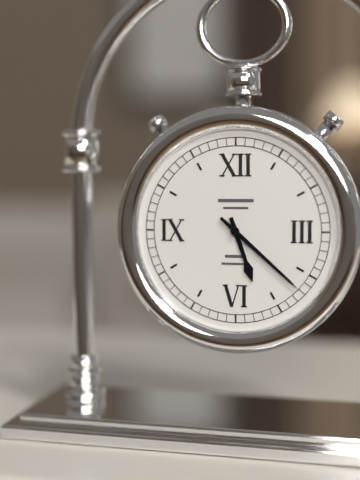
5h22
